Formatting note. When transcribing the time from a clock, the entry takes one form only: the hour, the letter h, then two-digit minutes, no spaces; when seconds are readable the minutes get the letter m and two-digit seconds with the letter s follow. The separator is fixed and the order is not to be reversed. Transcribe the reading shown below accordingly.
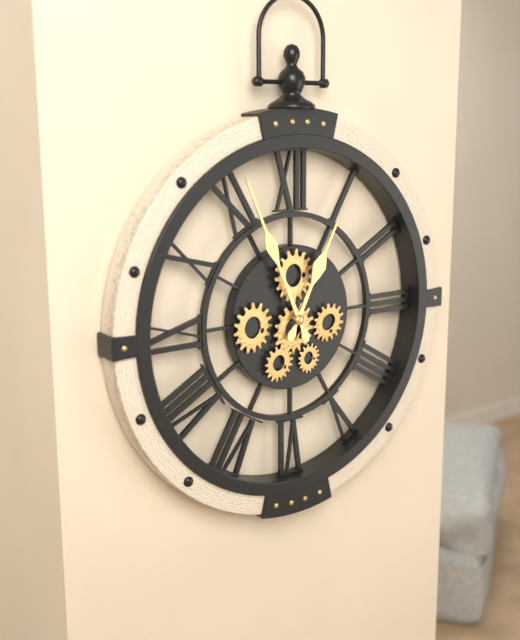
12h56
